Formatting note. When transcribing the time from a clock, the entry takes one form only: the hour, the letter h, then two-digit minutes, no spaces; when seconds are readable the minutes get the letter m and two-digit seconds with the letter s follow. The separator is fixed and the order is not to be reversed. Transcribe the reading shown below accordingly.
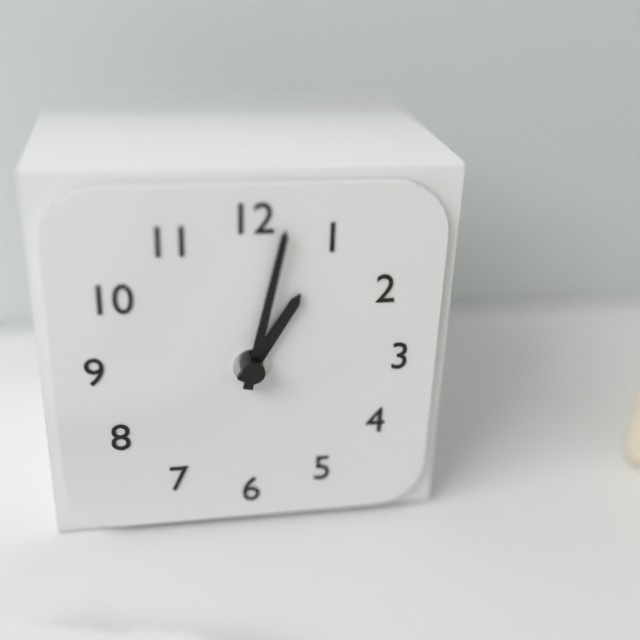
1h02
